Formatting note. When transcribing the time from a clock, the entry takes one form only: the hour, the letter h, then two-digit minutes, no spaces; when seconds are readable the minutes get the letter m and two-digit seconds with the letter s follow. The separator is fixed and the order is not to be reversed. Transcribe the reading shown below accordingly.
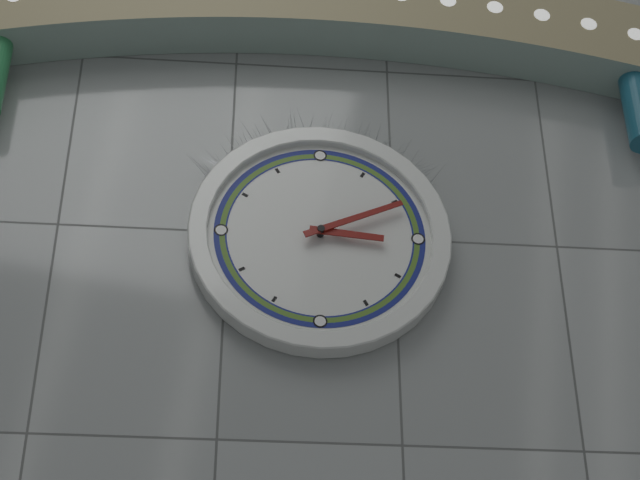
3h11
